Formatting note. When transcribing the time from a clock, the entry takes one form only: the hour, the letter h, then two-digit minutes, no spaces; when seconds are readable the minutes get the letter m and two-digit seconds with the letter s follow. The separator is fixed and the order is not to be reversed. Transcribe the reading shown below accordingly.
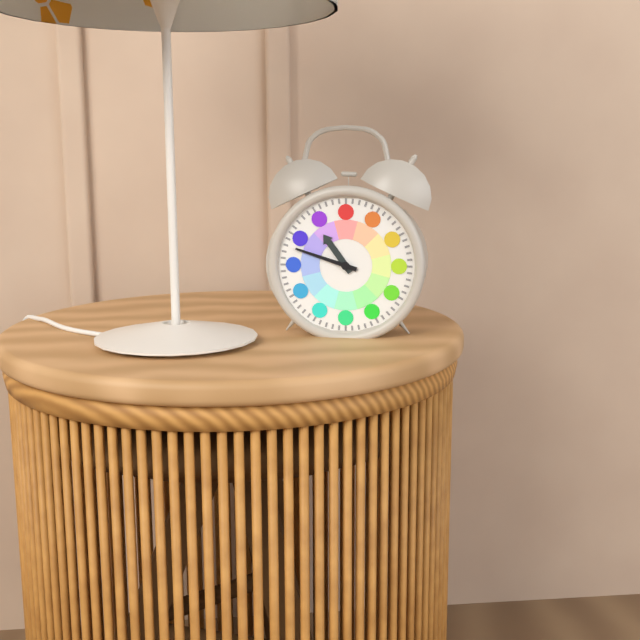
10h48
